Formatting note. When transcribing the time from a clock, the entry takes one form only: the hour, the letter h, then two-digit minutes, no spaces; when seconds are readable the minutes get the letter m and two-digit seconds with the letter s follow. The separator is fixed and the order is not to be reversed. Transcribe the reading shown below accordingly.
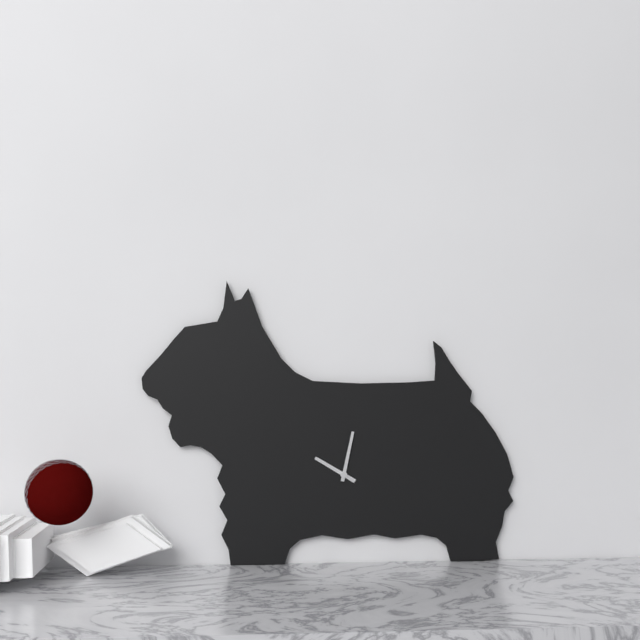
10h02
